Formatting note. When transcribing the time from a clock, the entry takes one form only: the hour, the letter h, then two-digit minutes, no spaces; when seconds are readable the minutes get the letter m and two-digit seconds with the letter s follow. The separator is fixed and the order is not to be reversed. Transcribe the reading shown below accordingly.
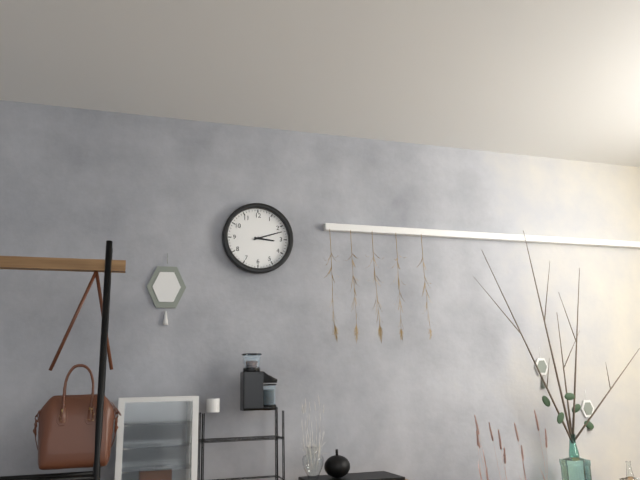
3h12
